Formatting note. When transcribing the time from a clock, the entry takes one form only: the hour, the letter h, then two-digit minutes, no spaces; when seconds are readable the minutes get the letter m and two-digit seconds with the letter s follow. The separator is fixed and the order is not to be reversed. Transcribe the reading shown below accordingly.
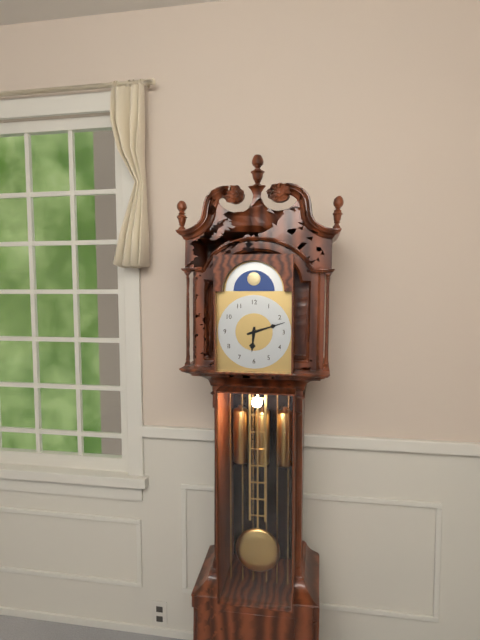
6h12
